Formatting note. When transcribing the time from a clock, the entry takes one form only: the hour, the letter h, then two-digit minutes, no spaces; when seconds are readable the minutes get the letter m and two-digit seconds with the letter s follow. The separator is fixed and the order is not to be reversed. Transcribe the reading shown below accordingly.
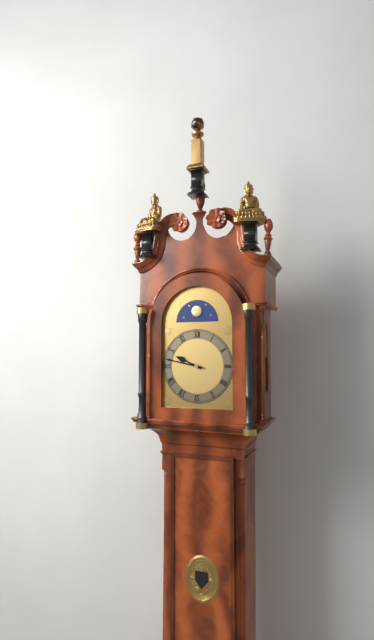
9h47
